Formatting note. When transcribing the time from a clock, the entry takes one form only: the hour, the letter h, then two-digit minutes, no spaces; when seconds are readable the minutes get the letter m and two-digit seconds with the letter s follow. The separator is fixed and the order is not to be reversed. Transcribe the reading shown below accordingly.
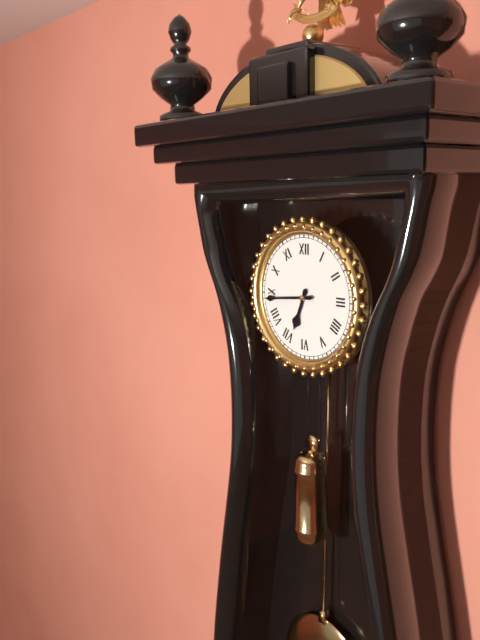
6h44
